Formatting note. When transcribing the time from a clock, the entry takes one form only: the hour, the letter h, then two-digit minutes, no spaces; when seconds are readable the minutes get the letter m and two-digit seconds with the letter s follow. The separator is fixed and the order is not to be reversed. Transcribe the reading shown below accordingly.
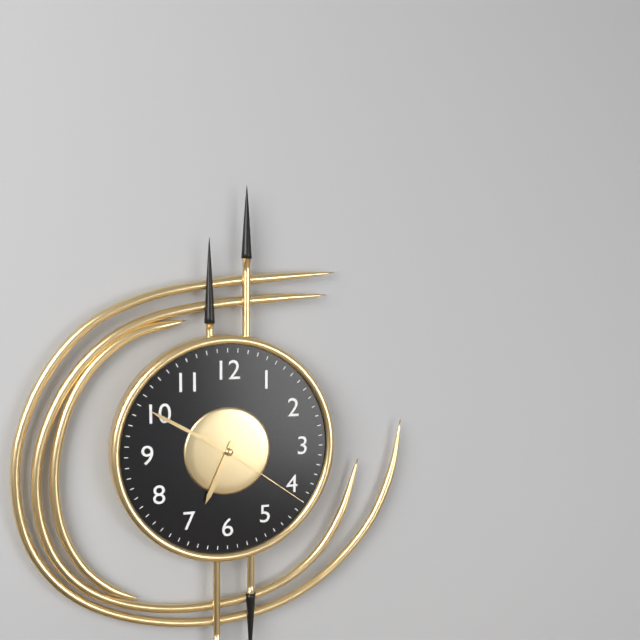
6h50m21s
